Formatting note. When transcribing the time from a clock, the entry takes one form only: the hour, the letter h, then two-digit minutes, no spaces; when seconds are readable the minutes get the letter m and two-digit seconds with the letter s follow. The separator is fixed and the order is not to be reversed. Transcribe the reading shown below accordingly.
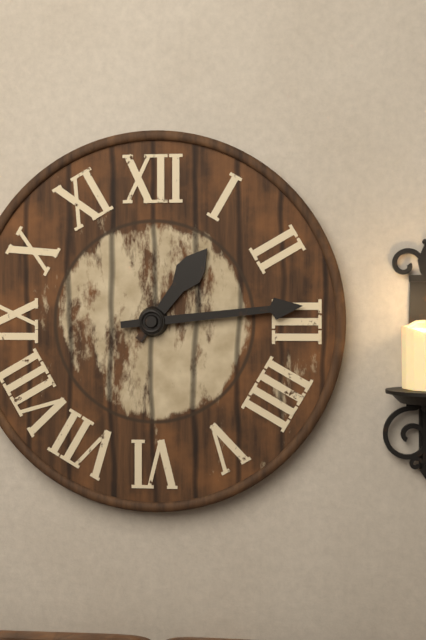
1h14
